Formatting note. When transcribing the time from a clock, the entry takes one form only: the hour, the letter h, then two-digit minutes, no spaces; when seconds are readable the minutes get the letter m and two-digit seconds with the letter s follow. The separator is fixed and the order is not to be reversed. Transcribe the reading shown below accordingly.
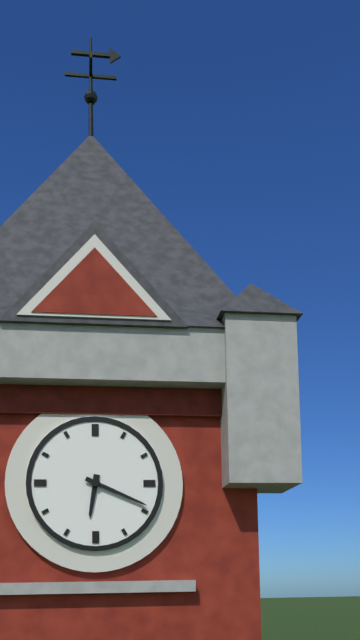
6h19
